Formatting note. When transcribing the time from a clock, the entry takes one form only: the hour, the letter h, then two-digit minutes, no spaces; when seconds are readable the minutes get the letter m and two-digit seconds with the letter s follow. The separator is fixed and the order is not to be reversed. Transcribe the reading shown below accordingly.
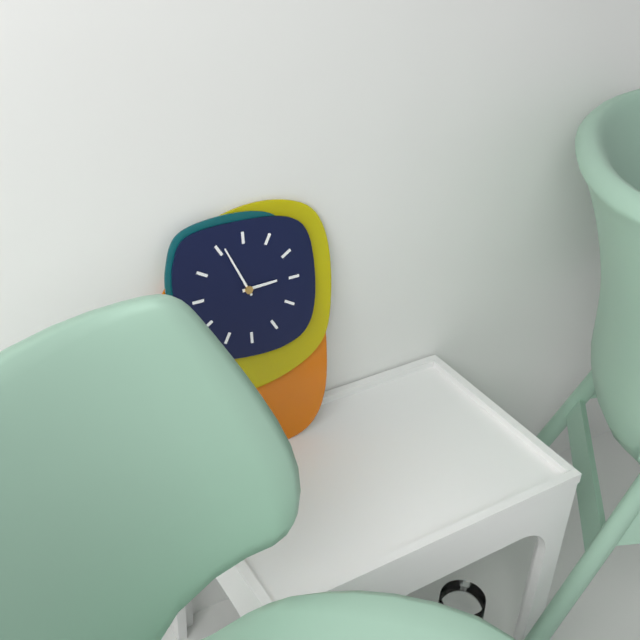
2h56
